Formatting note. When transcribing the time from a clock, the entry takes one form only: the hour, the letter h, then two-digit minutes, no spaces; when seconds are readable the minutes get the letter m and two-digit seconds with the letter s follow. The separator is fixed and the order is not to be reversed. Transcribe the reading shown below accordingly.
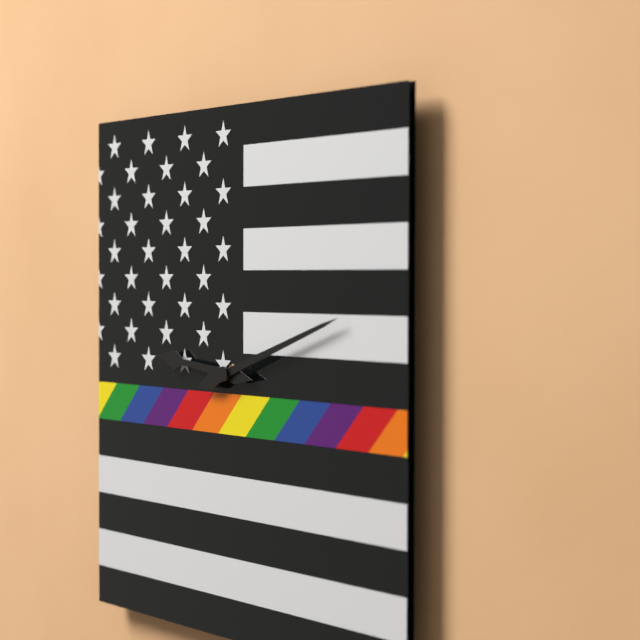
9h12
